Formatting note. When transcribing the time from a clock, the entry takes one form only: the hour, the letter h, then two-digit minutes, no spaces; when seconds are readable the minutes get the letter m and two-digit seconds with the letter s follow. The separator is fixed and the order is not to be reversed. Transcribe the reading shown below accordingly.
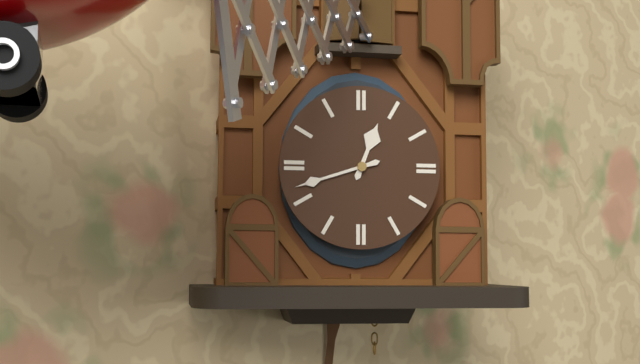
12h42
